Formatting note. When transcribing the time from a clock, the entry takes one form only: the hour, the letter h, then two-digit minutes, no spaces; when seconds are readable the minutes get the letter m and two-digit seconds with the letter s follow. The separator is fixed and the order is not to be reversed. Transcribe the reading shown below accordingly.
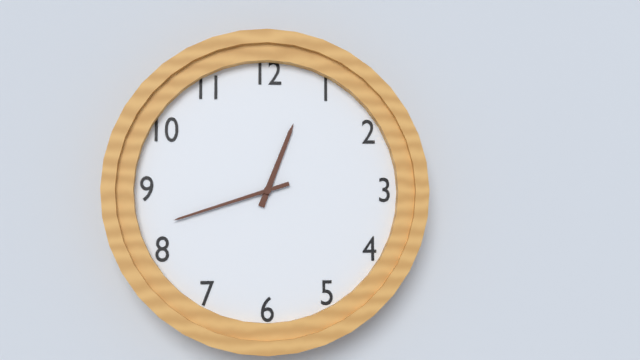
12h42
